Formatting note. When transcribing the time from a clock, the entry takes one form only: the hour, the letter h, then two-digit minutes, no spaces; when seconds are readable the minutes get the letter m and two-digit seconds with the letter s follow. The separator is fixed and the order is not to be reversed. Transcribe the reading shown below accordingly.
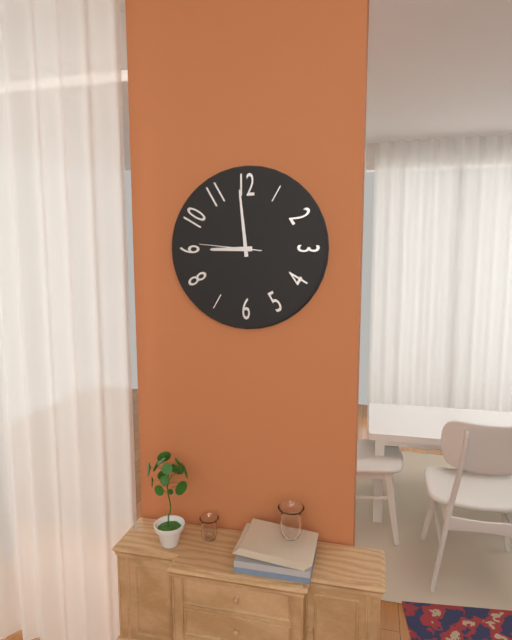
8h59m46s
